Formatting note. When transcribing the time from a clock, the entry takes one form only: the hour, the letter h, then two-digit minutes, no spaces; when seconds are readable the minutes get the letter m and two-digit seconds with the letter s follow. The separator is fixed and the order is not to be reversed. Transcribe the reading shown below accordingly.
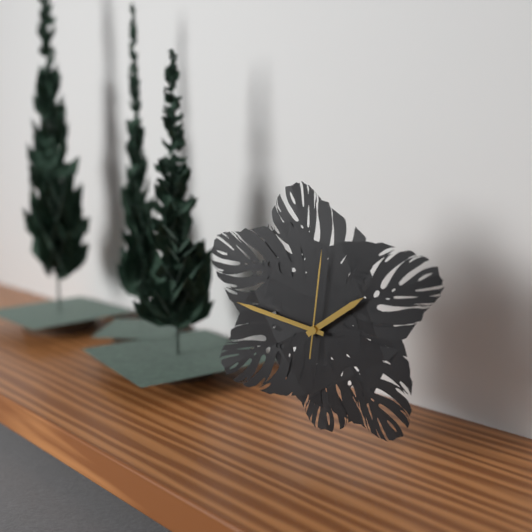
1h47m01s
